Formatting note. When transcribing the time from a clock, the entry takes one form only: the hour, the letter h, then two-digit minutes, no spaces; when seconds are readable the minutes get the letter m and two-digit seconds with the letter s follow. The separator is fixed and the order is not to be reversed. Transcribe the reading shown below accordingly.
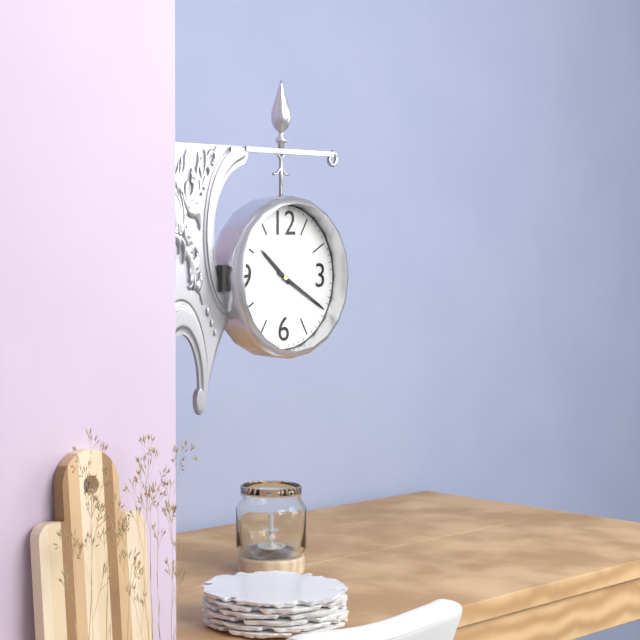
10h20
